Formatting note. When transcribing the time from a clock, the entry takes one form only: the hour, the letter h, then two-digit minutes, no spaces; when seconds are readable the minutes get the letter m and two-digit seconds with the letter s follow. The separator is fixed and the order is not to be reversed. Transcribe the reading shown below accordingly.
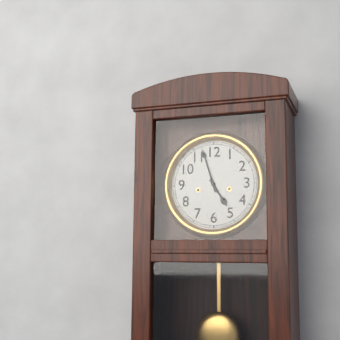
4h57
